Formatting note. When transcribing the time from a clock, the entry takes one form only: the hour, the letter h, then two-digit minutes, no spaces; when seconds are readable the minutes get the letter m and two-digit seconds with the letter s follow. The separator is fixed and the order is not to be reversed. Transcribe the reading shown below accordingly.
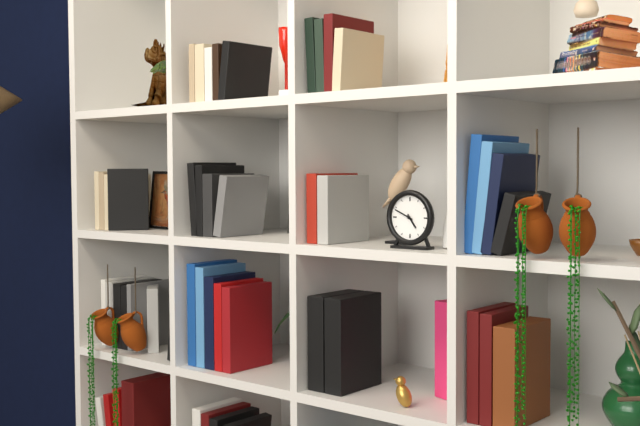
4h49
